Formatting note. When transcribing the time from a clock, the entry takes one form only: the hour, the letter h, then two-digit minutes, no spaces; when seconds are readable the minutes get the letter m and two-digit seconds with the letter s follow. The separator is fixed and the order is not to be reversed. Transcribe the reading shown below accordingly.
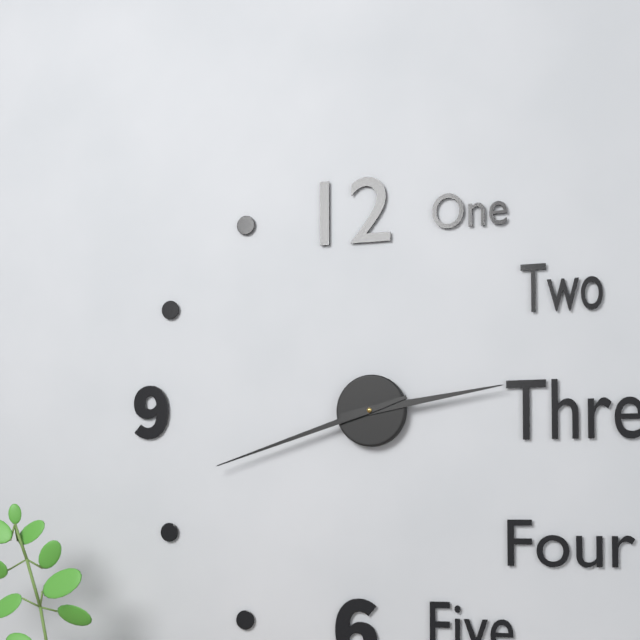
2h42
